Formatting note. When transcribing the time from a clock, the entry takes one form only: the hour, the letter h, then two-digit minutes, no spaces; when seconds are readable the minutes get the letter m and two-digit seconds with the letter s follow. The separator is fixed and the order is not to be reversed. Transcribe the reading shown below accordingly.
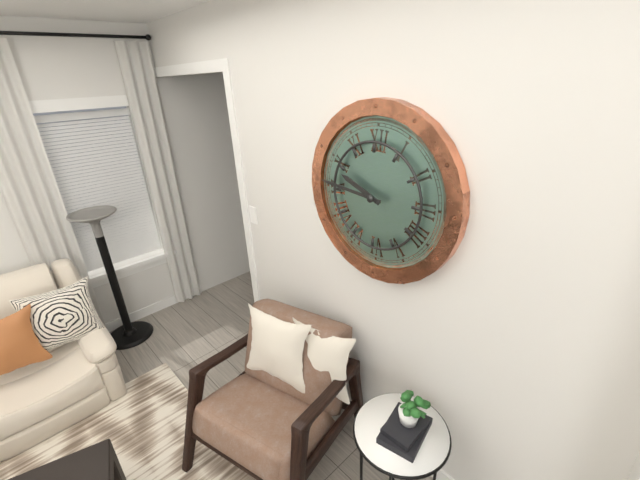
9h46
